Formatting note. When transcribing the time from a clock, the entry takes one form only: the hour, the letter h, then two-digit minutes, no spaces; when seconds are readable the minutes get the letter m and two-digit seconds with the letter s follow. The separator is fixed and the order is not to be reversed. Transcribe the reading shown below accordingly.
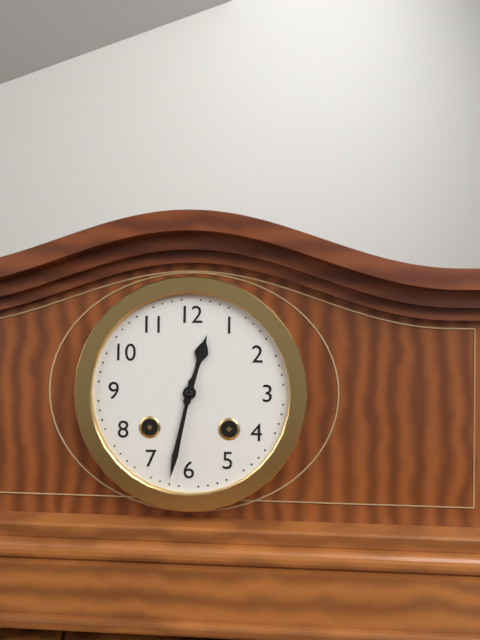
12h32
